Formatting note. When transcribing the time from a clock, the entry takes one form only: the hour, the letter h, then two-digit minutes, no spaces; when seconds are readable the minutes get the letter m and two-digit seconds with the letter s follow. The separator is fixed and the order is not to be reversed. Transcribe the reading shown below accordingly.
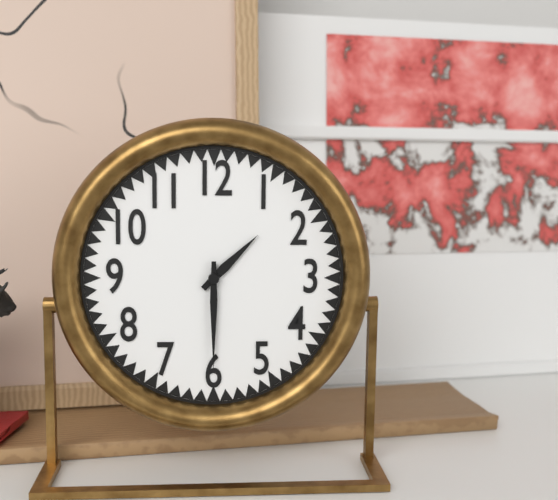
1h30
